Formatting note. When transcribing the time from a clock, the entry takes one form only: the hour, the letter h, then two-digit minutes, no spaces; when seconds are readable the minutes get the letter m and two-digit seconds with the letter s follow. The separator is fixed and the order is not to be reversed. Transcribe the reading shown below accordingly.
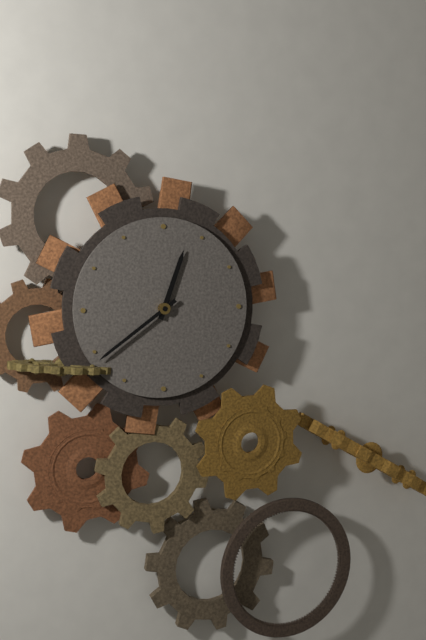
12h39
